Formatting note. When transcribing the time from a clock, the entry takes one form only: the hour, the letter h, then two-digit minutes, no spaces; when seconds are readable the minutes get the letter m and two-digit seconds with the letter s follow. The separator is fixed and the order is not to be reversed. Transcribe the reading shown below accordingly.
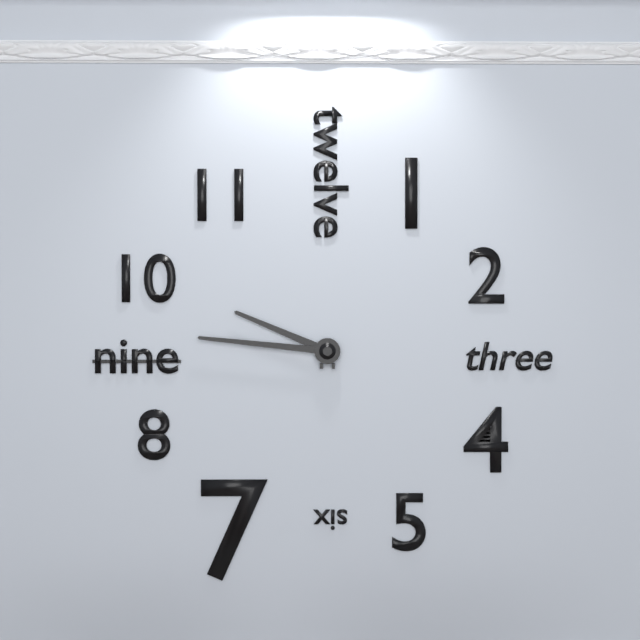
9h46
